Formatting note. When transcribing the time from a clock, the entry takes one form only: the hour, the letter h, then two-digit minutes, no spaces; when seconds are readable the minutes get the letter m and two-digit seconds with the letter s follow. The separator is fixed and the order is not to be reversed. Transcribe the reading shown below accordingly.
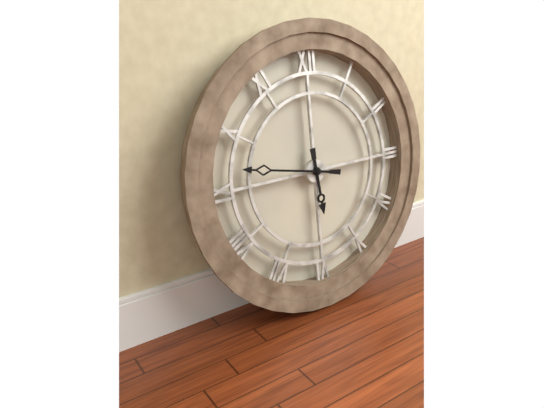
5h47
